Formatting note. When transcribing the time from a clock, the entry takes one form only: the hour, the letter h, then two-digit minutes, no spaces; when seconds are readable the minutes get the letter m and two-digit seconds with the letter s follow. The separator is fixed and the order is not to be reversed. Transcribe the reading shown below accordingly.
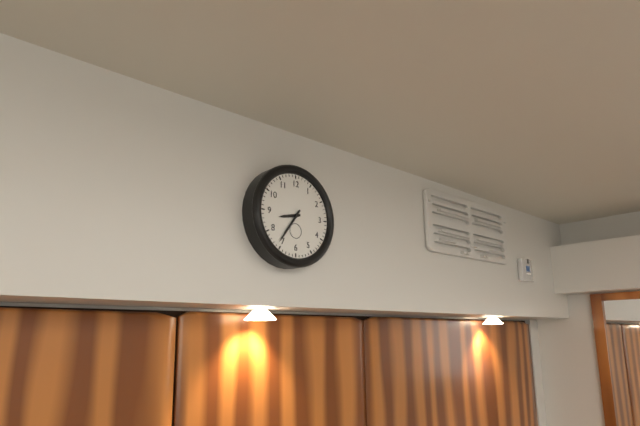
8h36
